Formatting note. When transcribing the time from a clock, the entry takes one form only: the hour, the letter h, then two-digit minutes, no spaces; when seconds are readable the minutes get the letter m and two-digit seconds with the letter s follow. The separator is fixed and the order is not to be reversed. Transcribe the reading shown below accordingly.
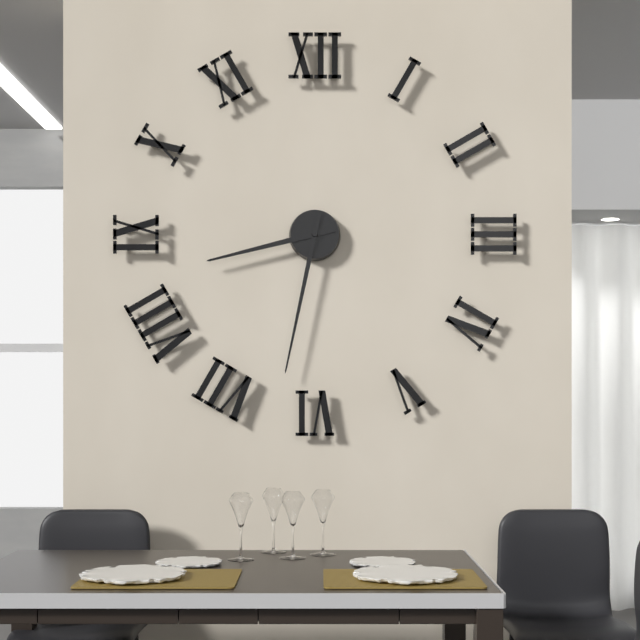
8h32
